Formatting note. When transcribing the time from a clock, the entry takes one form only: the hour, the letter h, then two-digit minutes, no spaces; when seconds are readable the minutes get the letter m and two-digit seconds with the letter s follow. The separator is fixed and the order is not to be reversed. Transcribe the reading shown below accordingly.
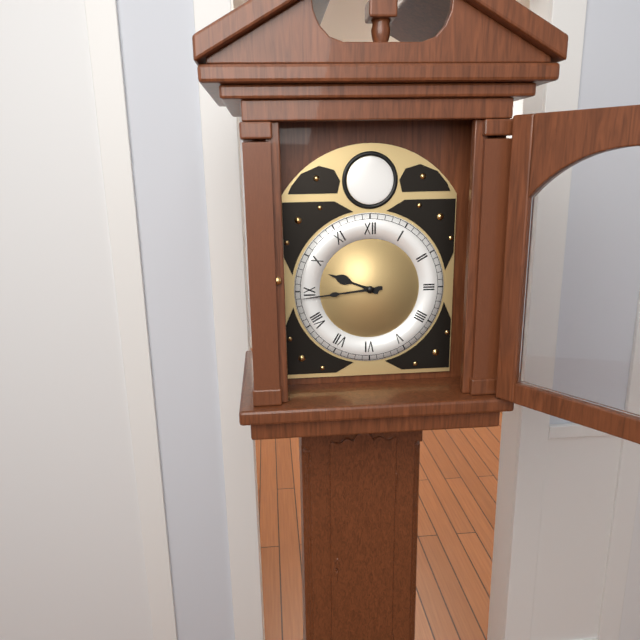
9h44
